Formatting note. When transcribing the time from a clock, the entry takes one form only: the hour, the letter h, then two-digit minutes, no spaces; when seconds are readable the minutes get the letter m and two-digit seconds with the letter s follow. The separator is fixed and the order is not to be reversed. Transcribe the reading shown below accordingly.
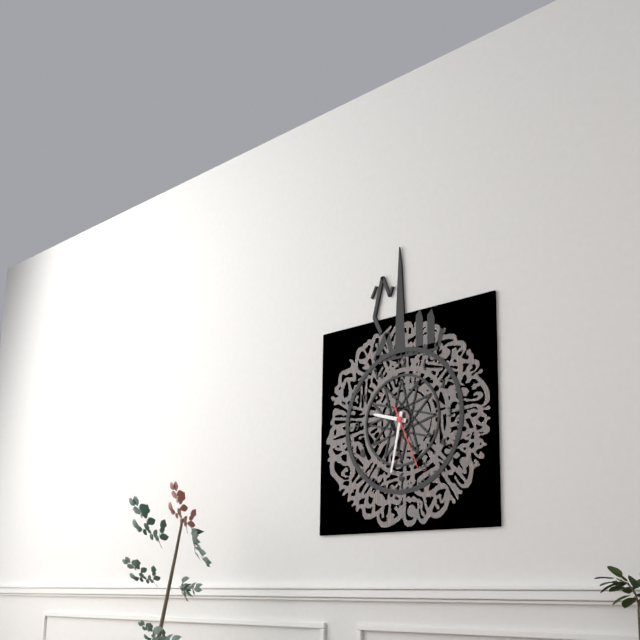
9h32m26s
